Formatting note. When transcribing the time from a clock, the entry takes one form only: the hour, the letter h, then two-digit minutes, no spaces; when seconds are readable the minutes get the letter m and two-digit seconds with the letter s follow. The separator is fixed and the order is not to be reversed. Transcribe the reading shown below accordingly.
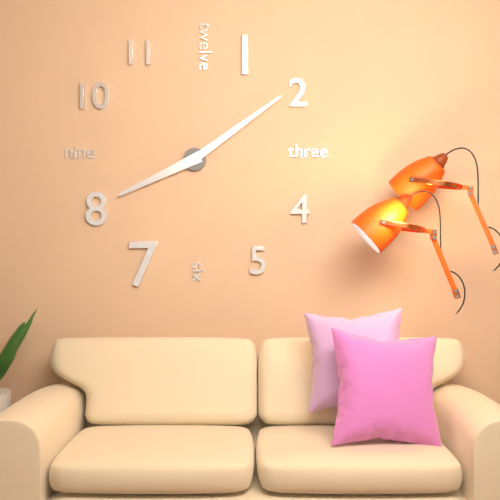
8h09
